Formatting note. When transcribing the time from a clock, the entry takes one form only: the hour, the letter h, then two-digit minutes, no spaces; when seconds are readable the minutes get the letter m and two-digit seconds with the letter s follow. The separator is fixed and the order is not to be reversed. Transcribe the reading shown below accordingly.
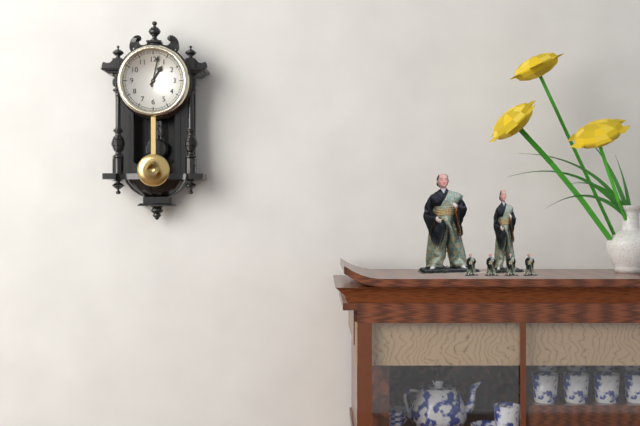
1h02
